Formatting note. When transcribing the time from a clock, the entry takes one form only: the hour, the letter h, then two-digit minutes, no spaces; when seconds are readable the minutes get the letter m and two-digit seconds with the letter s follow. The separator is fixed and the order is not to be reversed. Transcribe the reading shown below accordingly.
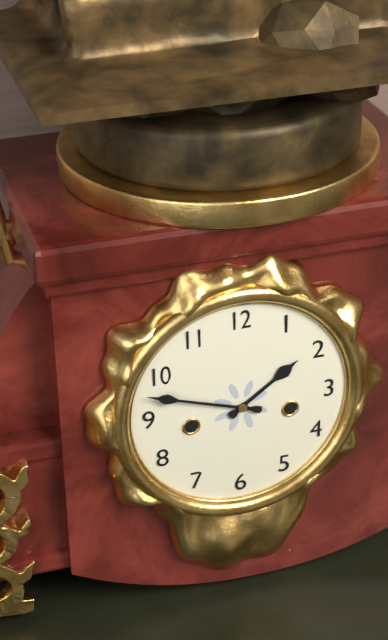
1h48
